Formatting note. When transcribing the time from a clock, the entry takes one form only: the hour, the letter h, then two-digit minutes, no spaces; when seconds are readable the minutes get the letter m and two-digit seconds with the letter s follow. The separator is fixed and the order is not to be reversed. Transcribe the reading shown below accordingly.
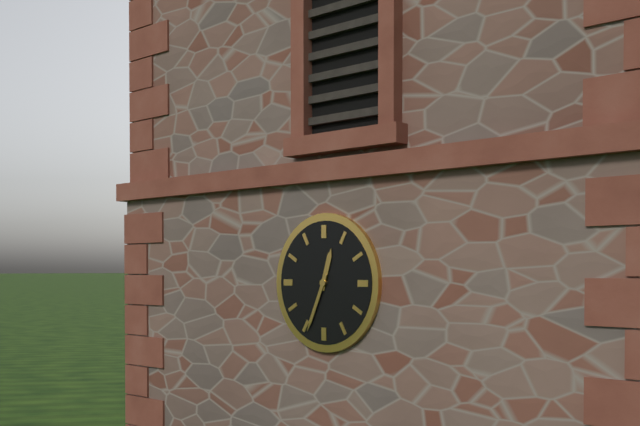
12h34
